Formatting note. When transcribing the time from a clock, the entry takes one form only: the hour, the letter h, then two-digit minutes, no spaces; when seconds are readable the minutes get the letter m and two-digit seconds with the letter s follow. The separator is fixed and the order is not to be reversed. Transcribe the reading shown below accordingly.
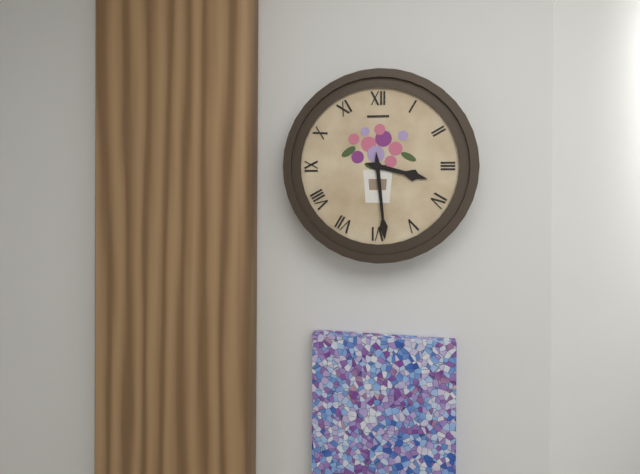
3h29
